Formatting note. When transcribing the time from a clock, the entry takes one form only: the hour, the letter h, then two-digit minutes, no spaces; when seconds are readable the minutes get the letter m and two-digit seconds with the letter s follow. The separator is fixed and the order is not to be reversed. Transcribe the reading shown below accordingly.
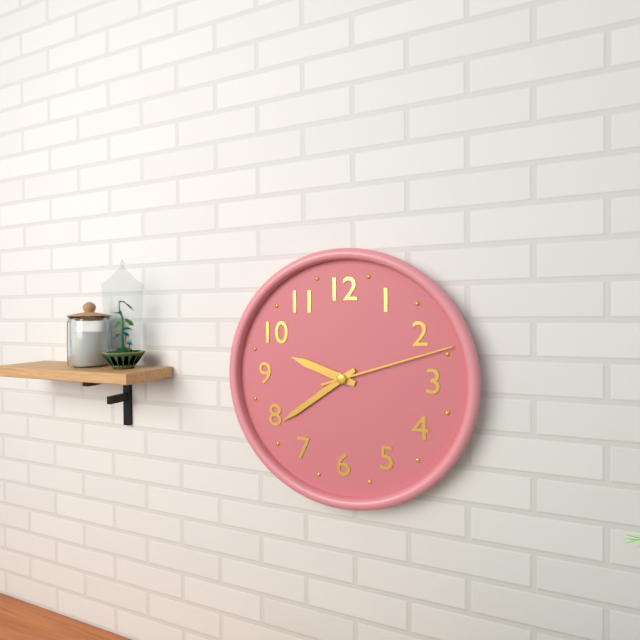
9h39m12s
